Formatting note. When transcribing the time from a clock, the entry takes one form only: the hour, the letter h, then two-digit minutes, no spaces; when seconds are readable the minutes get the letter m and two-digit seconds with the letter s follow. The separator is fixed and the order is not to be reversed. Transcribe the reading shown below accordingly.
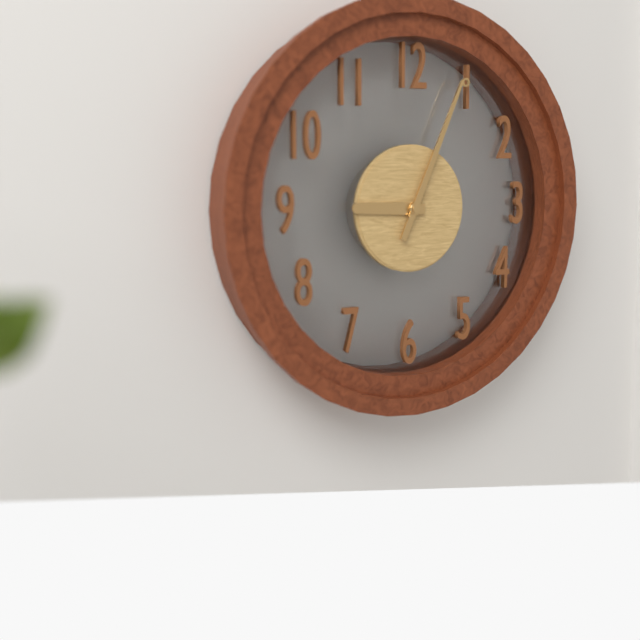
9h04
